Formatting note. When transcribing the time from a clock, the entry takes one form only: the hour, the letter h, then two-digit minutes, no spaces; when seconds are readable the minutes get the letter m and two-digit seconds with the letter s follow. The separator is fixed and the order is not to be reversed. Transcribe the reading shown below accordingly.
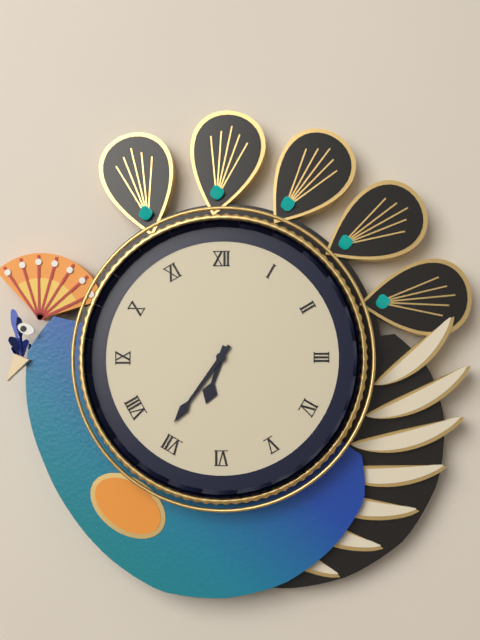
6h36
